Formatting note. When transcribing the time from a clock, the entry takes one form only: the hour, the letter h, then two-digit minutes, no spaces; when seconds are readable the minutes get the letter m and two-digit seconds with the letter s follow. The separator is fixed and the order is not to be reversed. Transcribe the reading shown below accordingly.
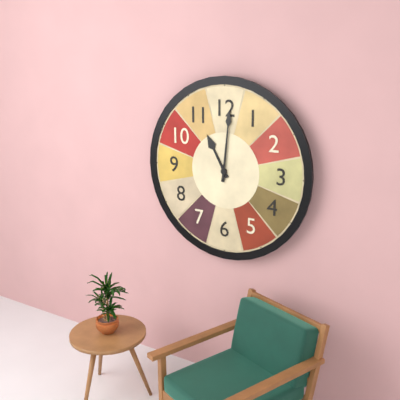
11h01
